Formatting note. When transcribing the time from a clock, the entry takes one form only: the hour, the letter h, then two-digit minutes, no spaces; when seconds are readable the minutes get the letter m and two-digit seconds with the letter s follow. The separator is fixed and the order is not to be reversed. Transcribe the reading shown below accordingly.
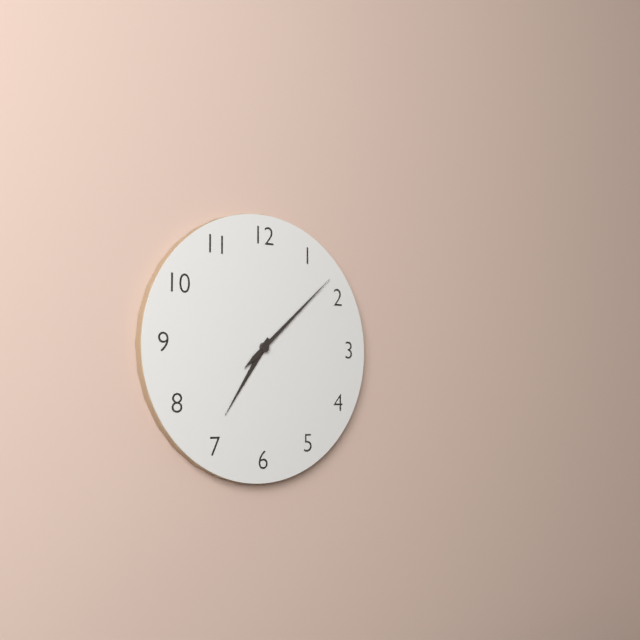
7h08
